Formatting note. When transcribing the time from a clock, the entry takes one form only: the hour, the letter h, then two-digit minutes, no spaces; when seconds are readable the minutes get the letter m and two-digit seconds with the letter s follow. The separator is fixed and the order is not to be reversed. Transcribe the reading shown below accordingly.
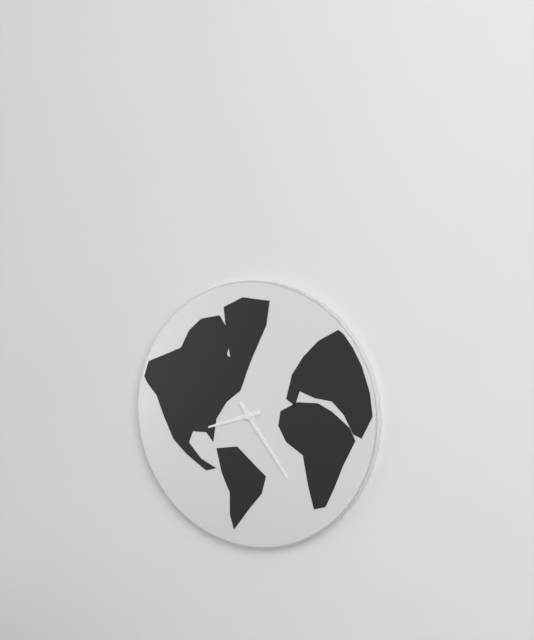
8h24
